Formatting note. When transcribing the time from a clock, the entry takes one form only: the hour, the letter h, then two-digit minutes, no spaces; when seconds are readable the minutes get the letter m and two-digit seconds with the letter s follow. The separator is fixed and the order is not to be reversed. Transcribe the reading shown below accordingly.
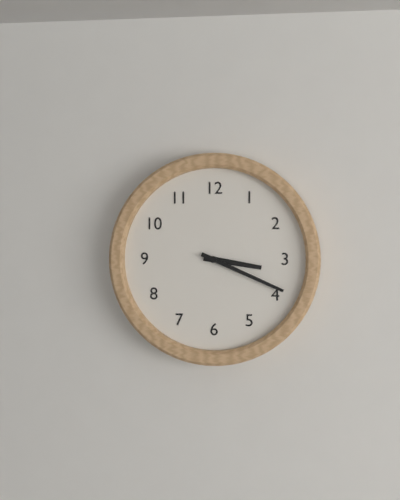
3h19
